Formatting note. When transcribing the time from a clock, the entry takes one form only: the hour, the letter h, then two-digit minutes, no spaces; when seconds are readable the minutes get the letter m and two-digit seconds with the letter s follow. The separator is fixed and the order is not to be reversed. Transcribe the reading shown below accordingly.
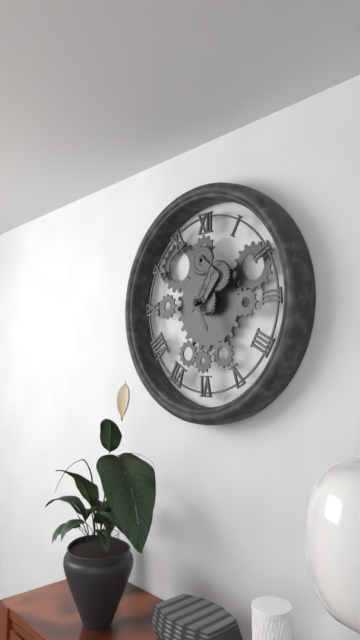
5h05
